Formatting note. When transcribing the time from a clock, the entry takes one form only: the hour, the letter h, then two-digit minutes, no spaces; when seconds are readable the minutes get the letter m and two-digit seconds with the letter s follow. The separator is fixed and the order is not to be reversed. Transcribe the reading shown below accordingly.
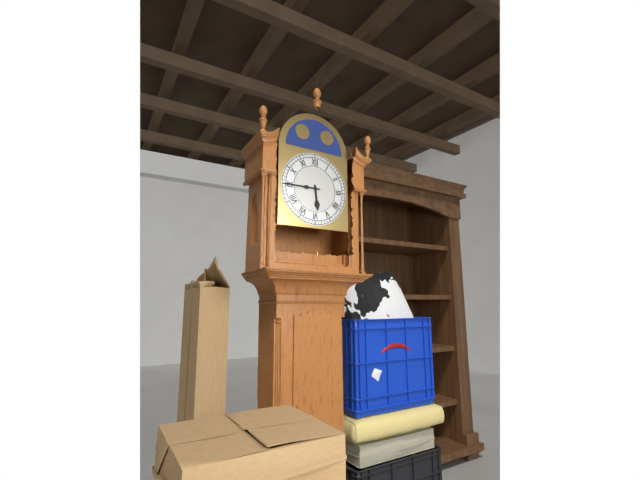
5h45
